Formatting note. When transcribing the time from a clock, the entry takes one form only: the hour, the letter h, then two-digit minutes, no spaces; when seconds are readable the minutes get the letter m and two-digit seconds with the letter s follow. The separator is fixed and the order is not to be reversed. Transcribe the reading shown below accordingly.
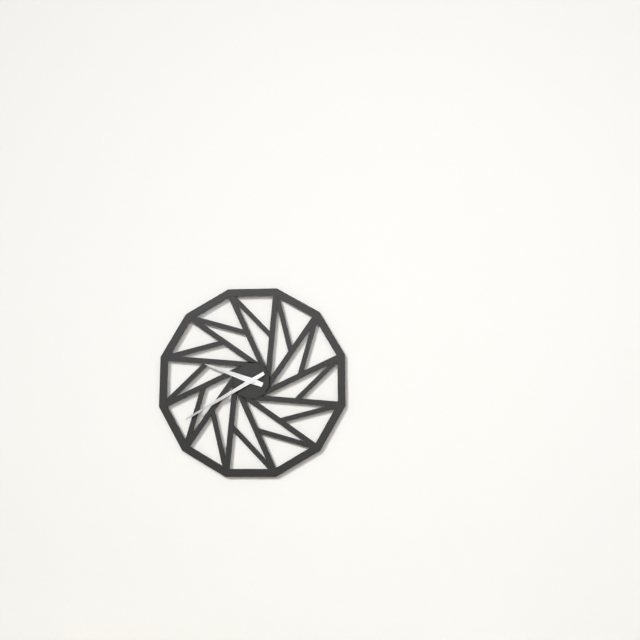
9h40
